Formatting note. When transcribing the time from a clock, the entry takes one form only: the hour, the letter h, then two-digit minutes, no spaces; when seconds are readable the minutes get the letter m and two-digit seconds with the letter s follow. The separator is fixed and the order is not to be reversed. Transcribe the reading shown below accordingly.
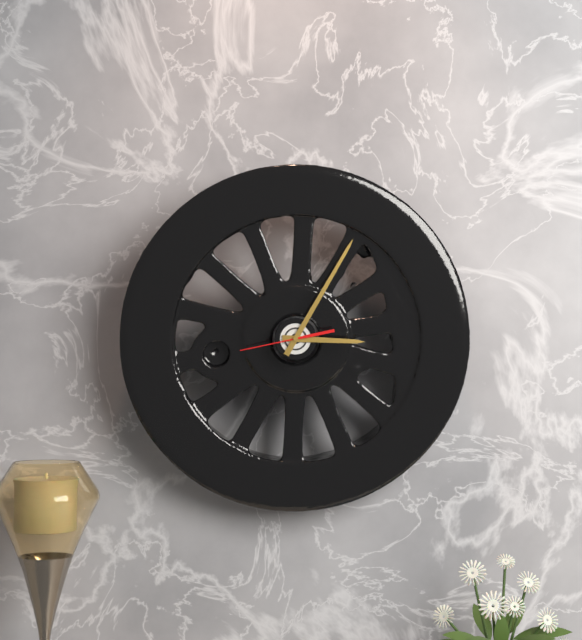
3h05m43s
